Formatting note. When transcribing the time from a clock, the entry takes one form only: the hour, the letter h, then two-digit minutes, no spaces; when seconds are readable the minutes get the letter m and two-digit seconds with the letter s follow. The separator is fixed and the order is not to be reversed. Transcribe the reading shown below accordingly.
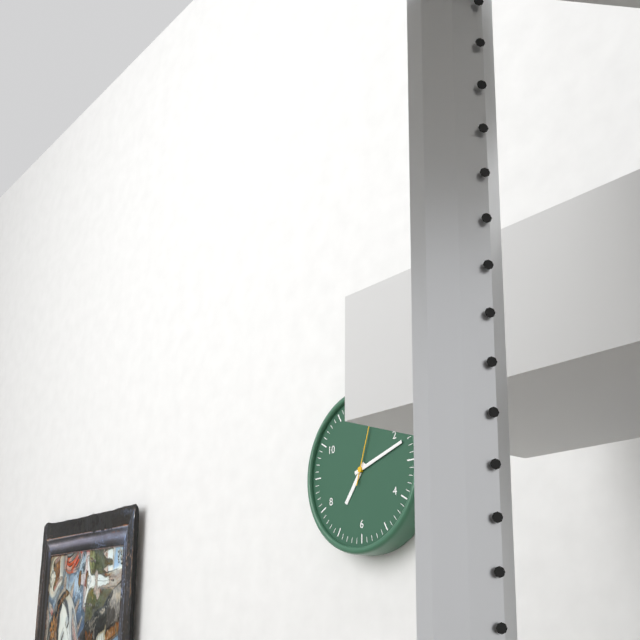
7h12
